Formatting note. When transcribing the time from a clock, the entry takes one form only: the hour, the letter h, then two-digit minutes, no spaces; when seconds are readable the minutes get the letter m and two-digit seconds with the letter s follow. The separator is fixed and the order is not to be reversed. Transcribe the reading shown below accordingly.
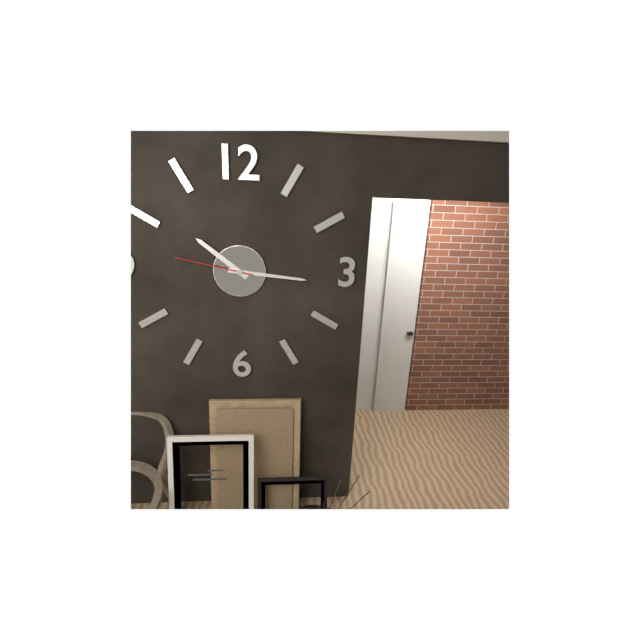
10h16m47s
